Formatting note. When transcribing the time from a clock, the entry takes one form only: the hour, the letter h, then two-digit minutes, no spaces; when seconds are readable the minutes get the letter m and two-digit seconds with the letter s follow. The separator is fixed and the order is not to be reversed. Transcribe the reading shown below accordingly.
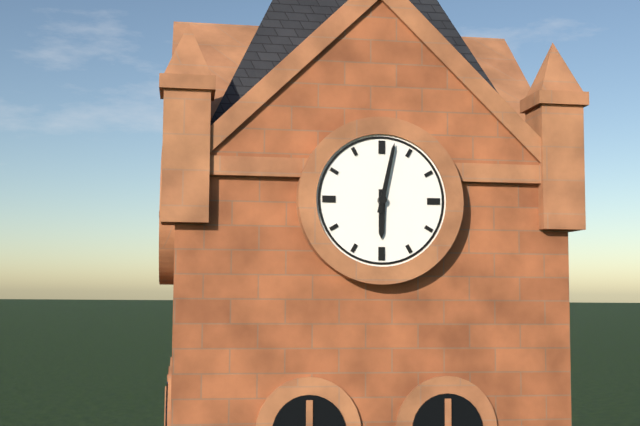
6h02
